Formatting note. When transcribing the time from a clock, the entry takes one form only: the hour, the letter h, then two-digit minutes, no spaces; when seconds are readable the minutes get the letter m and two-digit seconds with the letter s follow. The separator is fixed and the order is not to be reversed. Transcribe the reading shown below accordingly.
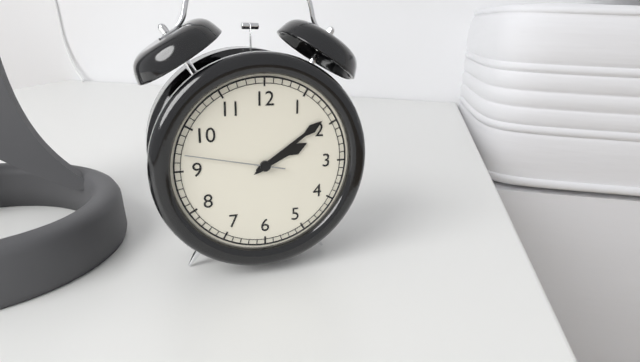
2h09m47s
